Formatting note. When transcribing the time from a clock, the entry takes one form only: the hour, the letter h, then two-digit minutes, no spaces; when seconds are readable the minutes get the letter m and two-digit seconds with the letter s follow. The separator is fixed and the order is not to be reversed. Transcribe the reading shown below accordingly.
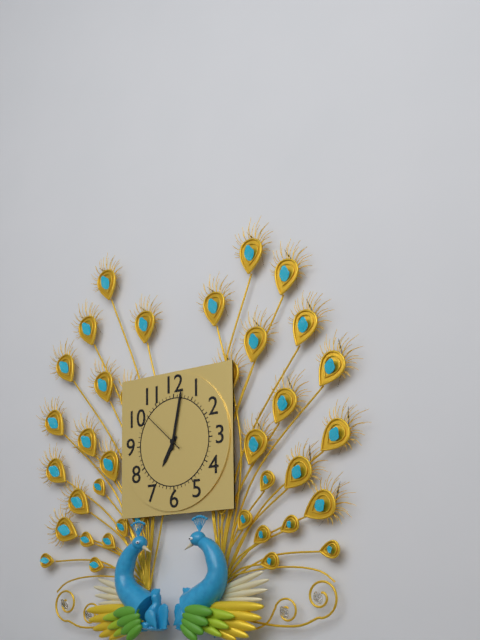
7h02
